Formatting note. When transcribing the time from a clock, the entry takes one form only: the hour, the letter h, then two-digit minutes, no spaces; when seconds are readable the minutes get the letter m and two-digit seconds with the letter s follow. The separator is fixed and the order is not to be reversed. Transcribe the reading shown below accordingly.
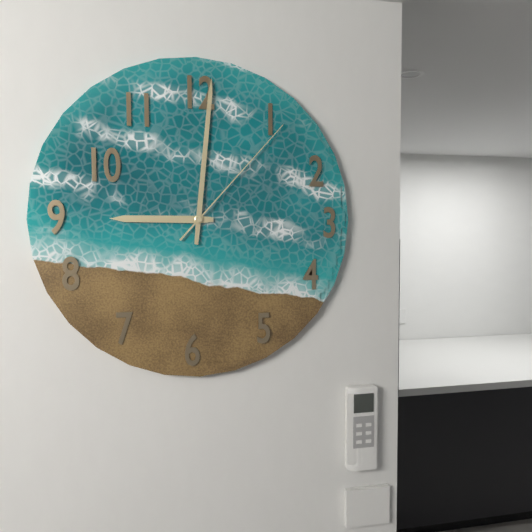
9h01m07s
